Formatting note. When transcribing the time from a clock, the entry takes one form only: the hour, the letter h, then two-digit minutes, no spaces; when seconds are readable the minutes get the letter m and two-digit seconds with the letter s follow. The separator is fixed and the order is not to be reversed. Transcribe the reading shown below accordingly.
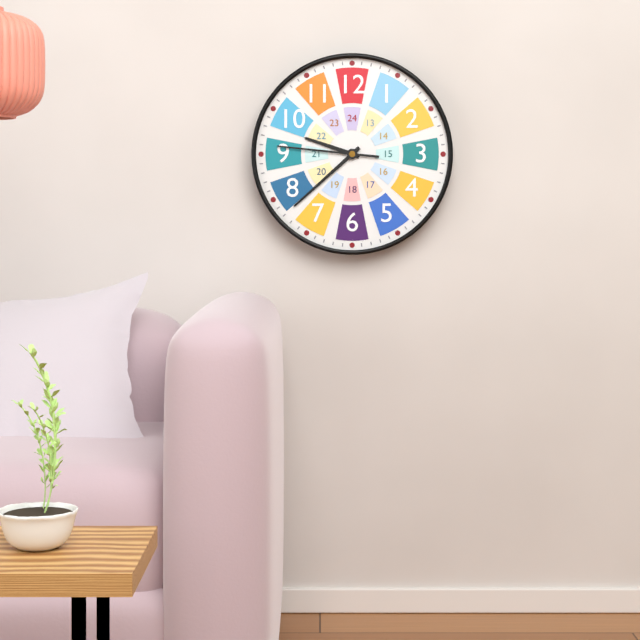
9h38m46s
